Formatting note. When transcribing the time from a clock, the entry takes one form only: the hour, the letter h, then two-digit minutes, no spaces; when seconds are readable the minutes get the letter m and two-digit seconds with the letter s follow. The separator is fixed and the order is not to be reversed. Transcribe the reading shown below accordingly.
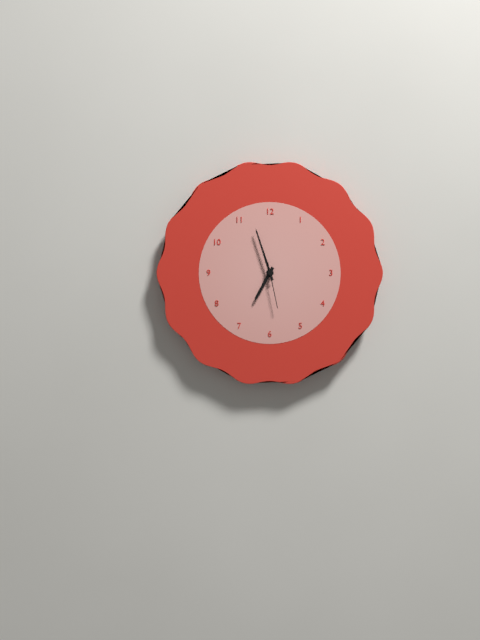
6h57
